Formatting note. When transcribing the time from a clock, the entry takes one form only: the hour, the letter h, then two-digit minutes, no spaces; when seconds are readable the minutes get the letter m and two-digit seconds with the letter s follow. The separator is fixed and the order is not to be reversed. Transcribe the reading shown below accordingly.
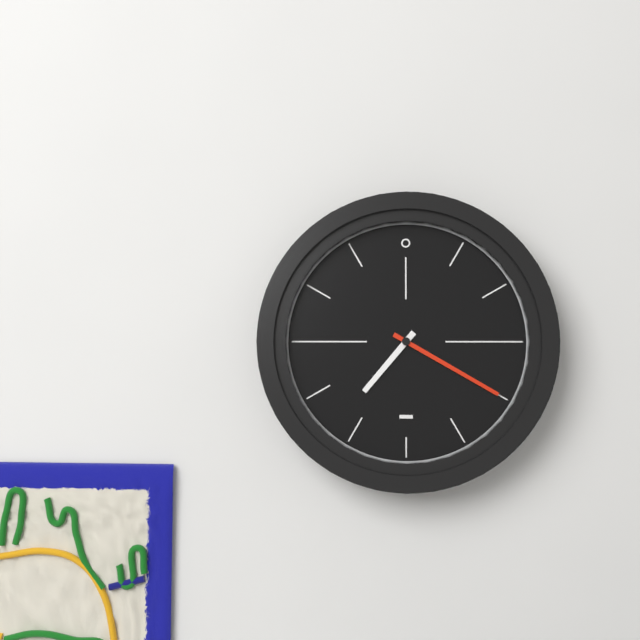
7h20
